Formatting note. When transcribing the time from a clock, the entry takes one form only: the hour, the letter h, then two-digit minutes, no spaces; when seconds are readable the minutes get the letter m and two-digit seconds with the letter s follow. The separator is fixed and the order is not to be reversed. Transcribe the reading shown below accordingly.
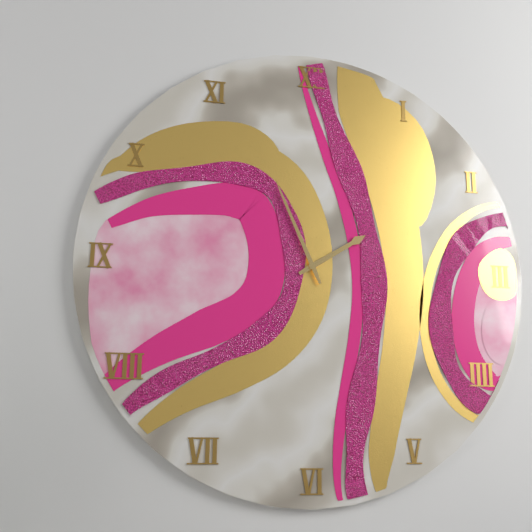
1h56
